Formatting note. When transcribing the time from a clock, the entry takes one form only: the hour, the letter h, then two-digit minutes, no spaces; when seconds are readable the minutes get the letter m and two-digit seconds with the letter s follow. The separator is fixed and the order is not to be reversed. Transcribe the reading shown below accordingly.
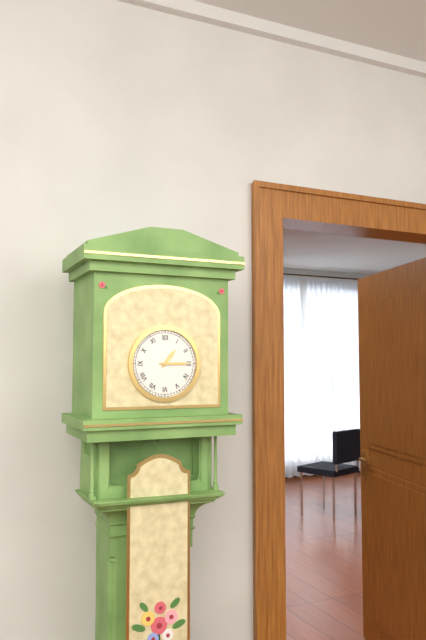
1h15
